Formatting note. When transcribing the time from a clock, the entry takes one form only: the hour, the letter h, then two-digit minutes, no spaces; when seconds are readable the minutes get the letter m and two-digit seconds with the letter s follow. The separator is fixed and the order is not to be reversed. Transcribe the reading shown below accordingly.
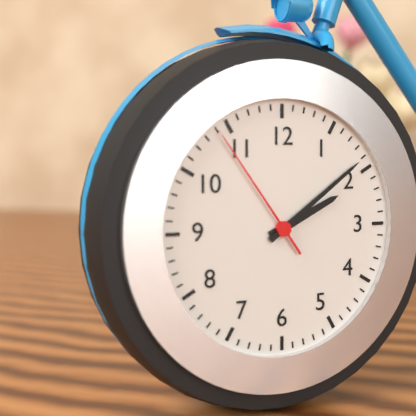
2h09m54s
